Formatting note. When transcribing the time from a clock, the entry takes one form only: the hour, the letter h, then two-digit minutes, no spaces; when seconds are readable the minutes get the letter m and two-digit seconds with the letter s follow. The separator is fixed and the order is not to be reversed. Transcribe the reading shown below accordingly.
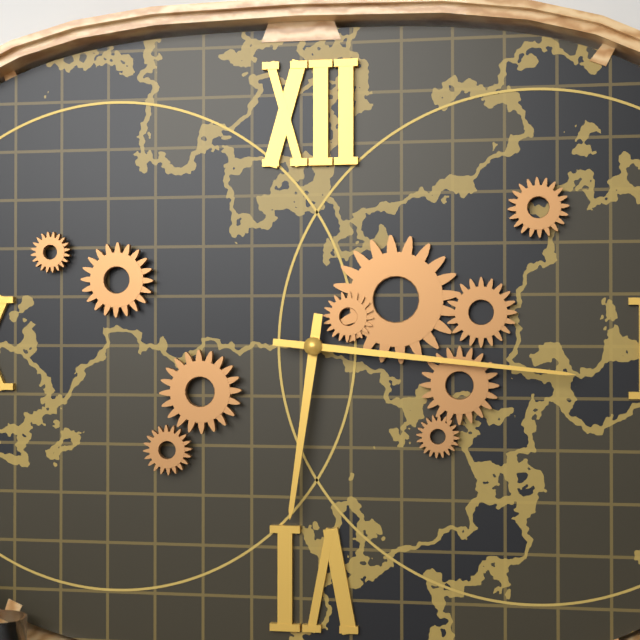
6h16
